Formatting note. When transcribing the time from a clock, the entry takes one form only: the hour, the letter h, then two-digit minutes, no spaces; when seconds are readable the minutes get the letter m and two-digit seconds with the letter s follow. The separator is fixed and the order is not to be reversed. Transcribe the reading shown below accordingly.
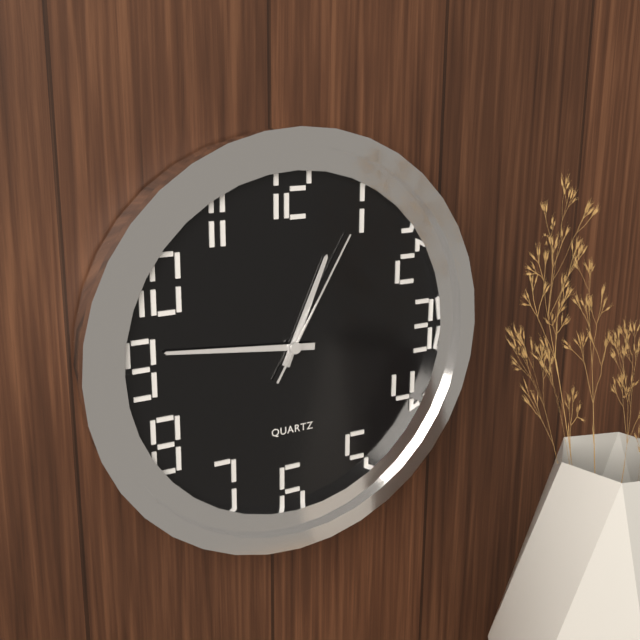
12h46m05s
